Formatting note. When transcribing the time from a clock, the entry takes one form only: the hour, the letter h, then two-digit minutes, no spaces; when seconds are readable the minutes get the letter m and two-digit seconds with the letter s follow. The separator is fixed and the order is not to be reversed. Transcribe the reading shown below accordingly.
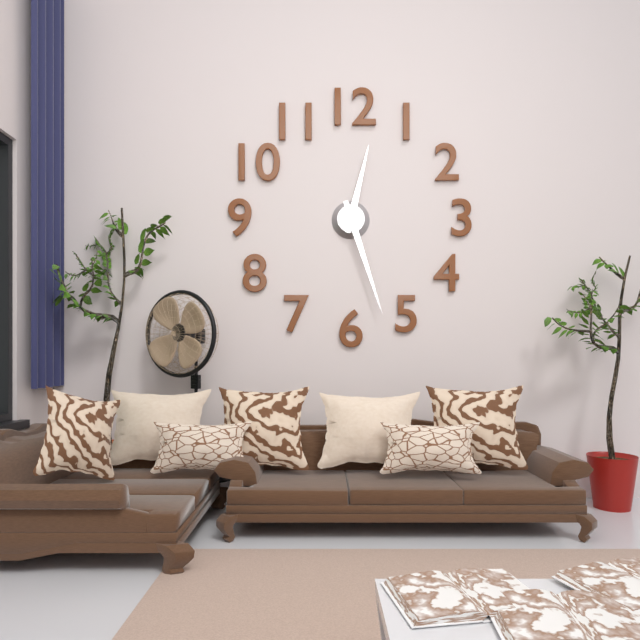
12h27
